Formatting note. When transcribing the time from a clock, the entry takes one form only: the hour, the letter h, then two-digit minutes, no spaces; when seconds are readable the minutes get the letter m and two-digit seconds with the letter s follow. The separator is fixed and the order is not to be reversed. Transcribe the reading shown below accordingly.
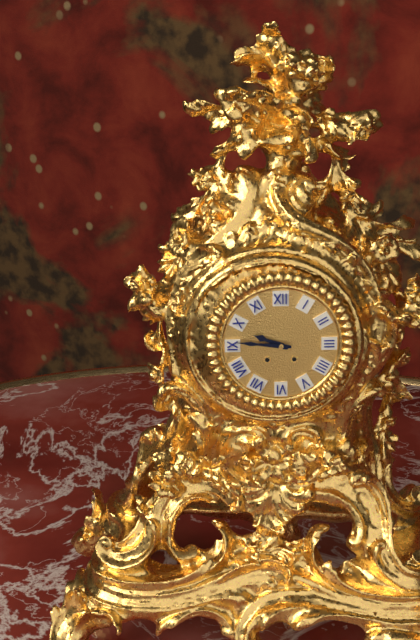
9h46
